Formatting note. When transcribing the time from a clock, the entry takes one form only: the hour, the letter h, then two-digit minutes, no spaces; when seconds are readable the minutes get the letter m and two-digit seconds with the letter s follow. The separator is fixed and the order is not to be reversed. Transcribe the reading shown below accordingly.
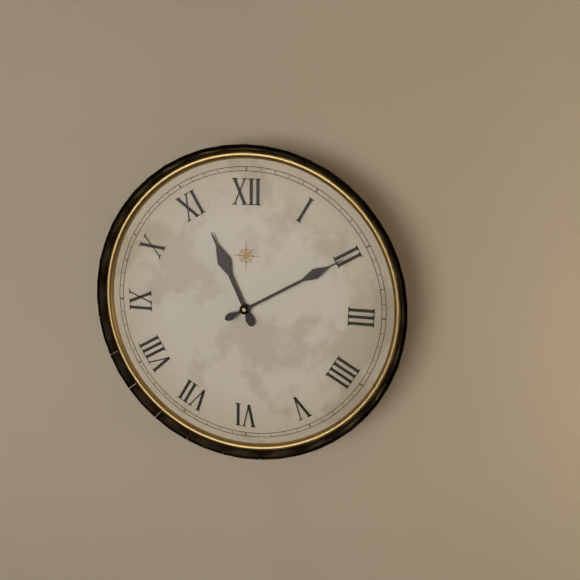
11h10
